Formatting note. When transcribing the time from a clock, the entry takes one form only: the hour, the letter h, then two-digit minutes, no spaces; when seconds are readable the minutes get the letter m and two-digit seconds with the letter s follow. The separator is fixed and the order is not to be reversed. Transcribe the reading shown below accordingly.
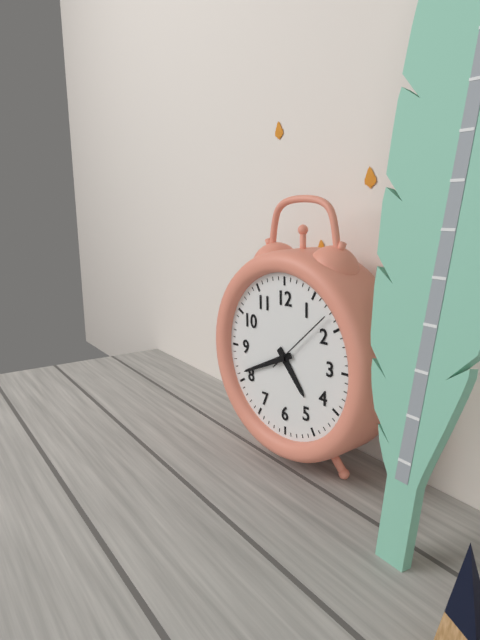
4h41m08s
